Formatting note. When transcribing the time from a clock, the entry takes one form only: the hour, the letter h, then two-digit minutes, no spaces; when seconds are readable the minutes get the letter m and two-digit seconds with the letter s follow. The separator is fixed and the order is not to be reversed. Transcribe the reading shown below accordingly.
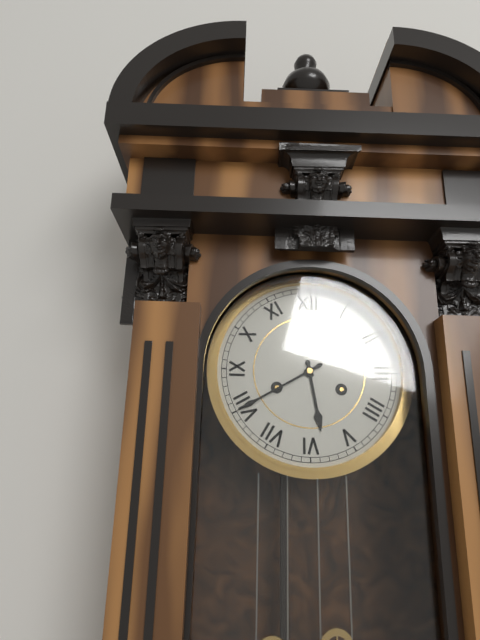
5h40
